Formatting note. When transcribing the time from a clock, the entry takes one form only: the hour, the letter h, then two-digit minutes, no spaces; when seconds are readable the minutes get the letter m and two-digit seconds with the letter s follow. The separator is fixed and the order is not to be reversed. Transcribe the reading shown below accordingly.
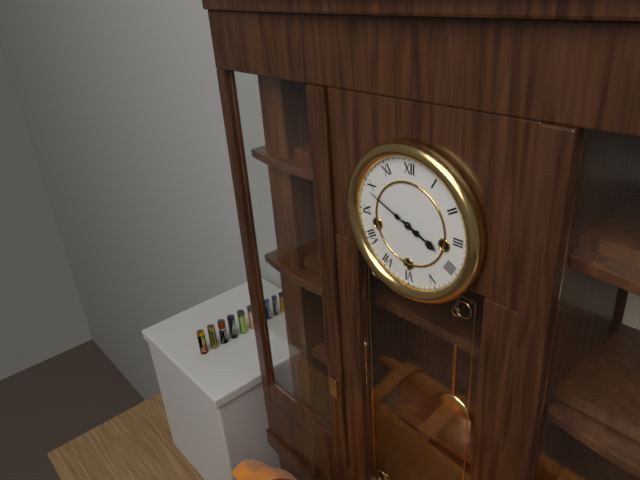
3h49
